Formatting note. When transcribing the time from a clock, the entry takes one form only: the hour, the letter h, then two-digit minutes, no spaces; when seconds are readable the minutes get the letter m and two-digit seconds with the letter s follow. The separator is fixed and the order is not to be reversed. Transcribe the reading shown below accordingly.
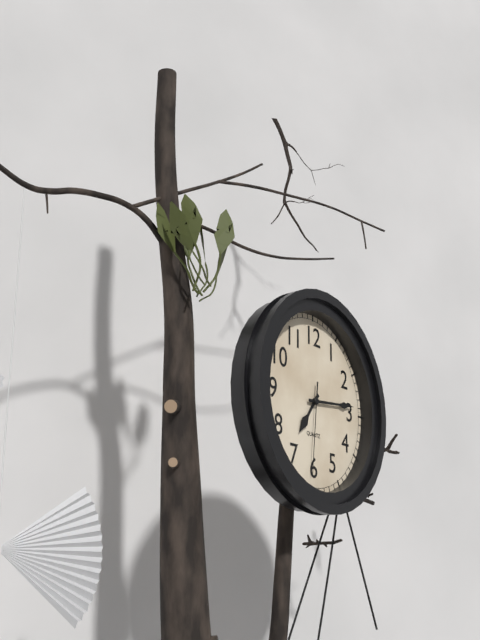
7h14m31s
